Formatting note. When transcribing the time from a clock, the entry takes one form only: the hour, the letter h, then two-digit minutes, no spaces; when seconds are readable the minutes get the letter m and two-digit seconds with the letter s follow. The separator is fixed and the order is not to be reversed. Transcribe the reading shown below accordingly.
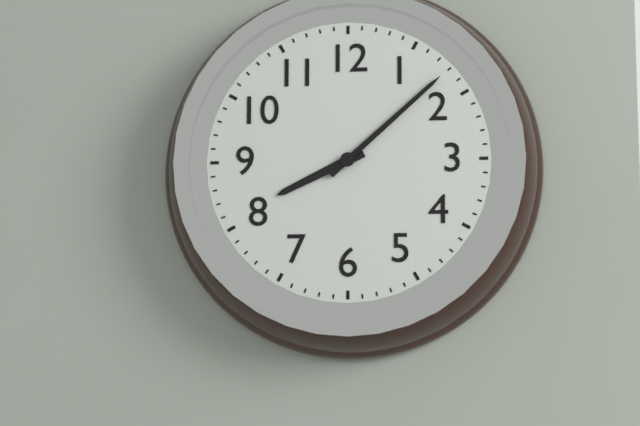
8h08
